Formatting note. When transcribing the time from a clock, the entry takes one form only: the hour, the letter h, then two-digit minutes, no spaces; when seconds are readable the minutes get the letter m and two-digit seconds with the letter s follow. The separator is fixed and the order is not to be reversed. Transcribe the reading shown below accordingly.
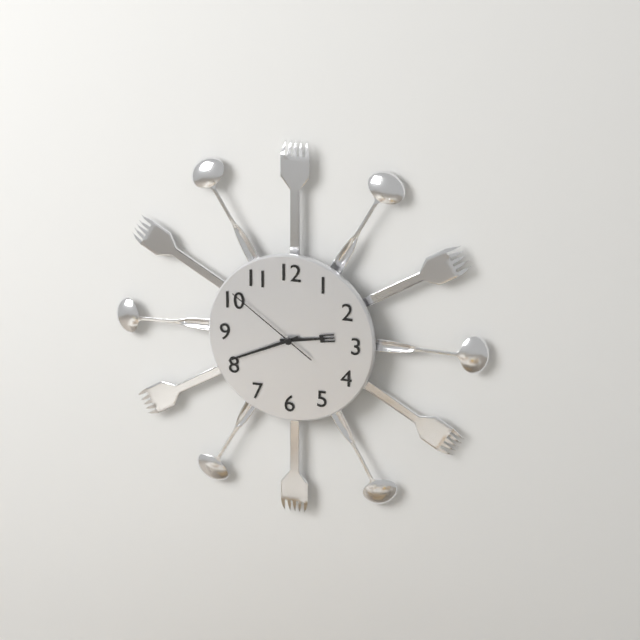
2h41m51s
